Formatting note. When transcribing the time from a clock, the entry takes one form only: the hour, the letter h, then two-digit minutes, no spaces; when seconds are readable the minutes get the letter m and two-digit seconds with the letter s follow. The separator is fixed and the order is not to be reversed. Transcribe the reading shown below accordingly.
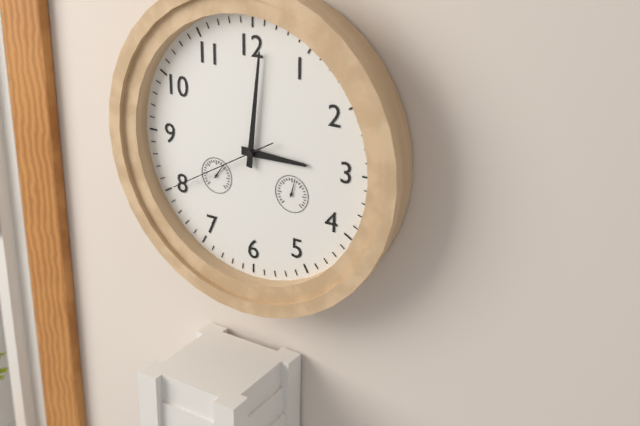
3h01m40s
